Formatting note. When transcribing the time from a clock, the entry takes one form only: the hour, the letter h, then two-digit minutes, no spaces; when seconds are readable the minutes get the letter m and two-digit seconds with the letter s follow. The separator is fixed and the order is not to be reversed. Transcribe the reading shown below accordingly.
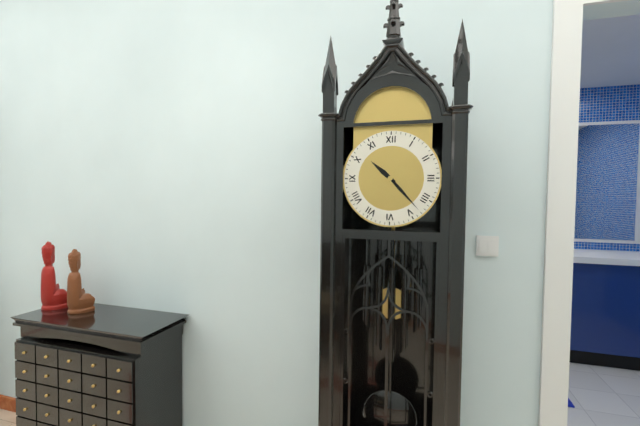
10h23
